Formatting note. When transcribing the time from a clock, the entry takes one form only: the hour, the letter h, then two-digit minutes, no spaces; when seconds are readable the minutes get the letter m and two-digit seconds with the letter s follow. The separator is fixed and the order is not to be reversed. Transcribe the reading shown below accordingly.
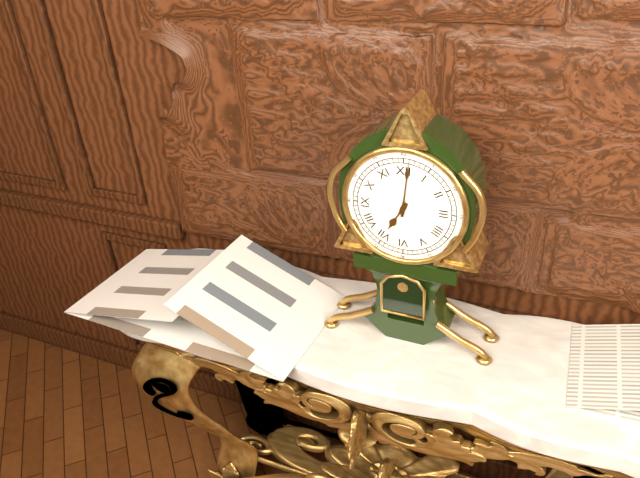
7h01
